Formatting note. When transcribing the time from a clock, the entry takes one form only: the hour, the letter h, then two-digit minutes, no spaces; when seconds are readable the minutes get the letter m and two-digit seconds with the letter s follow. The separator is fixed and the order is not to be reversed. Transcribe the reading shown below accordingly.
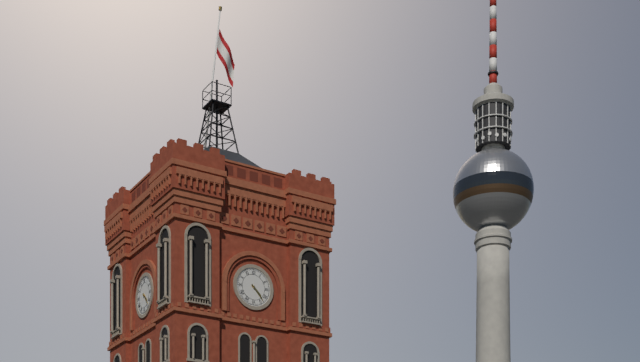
4h23
